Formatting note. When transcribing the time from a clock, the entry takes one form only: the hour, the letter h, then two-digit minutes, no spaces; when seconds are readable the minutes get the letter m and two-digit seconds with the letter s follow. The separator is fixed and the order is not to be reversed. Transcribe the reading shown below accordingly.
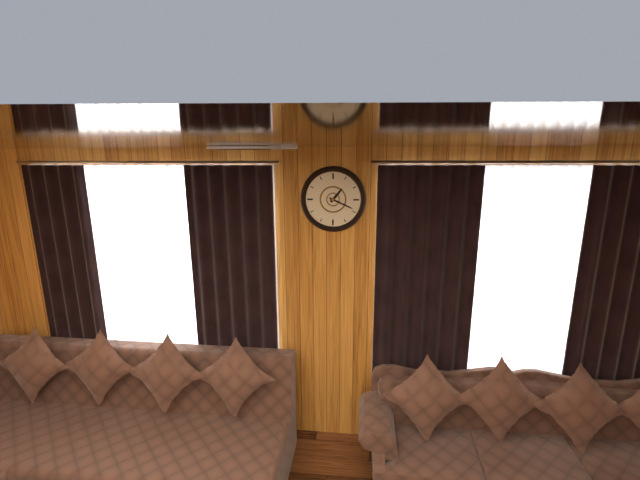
1h19
